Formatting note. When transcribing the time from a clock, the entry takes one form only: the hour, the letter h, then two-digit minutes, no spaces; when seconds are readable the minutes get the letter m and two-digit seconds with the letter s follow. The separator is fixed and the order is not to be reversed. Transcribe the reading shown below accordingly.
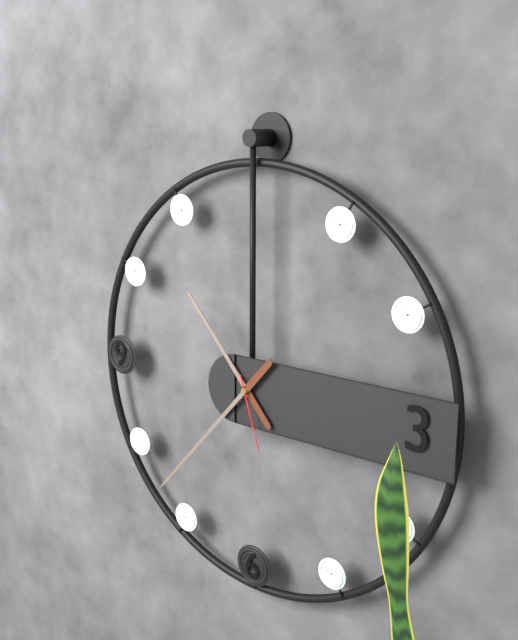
10h37m27s
